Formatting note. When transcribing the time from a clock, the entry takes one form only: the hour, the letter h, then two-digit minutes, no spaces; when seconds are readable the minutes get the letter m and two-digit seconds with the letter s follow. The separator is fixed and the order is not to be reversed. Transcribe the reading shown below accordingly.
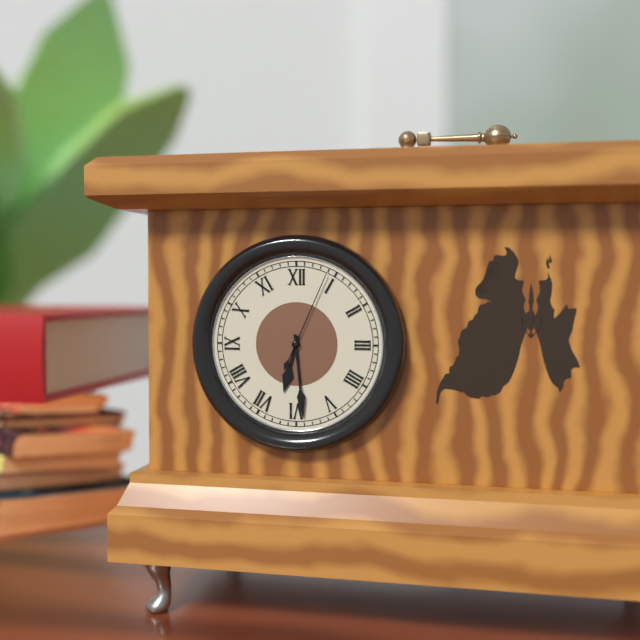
6h29m04s
